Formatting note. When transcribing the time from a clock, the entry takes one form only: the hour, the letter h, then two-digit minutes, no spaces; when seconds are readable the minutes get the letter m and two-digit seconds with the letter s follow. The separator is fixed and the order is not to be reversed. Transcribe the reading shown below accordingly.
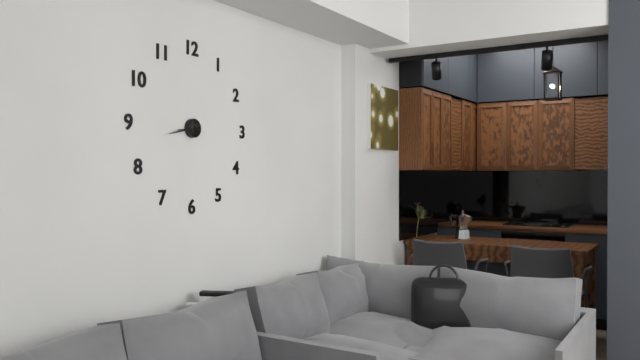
8h43
